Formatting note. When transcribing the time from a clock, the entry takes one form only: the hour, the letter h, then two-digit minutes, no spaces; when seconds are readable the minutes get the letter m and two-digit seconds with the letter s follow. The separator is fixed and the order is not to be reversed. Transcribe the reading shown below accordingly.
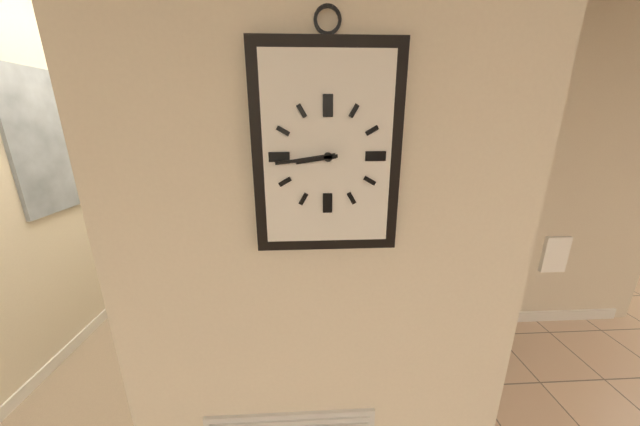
8h44
